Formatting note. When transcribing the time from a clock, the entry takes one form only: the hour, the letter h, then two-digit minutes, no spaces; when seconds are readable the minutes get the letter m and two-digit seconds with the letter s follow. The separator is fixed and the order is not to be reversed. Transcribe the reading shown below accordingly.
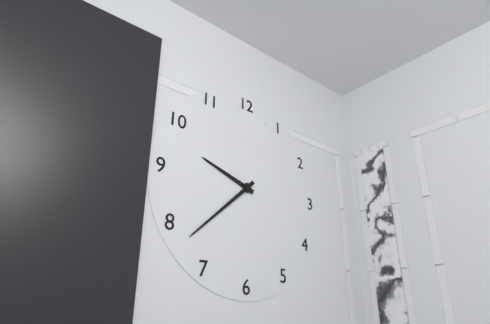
9h38
